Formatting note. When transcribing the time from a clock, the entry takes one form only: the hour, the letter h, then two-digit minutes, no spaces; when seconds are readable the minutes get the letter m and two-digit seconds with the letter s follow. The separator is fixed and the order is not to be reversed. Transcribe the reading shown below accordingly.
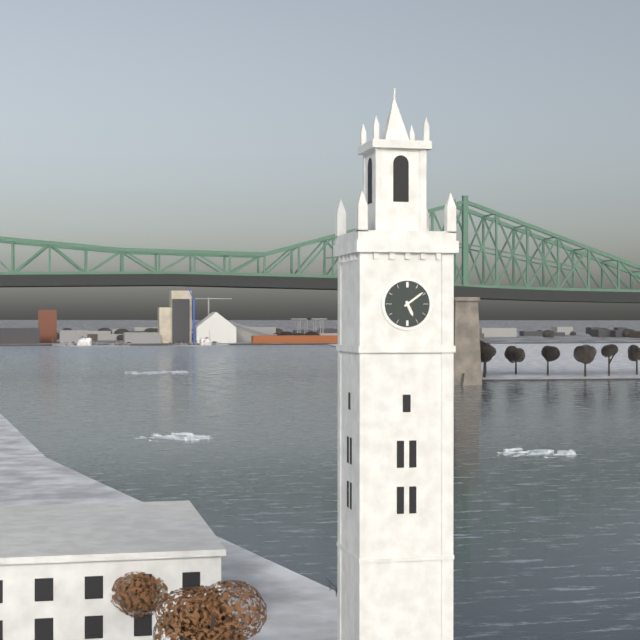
5h09
